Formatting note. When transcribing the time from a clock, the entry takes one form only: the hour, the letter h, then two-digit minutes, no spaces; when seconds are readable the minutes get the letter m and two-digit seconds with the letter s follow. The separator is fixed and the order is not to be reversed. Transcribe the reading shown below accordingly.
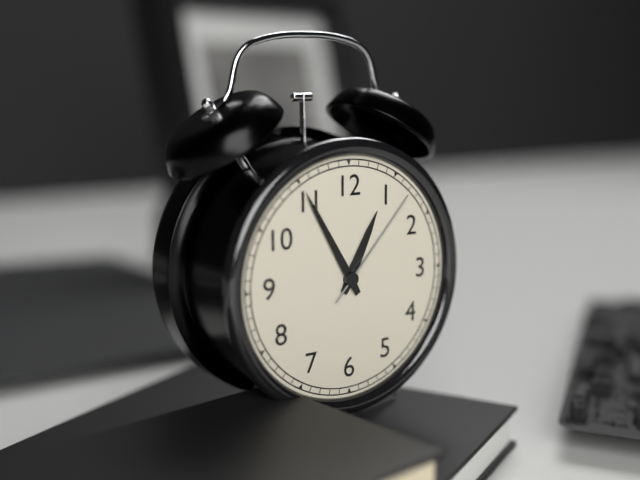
12h55m07s
